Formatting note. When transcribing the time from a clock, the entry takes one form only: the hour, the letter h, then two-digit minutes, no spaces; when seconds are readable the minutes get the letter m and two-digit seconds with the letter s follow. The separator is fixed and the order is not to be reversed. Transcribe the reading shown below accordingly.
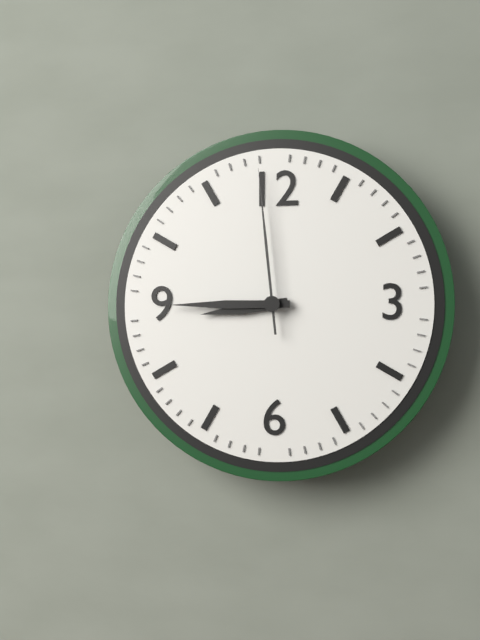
8h45m59s
